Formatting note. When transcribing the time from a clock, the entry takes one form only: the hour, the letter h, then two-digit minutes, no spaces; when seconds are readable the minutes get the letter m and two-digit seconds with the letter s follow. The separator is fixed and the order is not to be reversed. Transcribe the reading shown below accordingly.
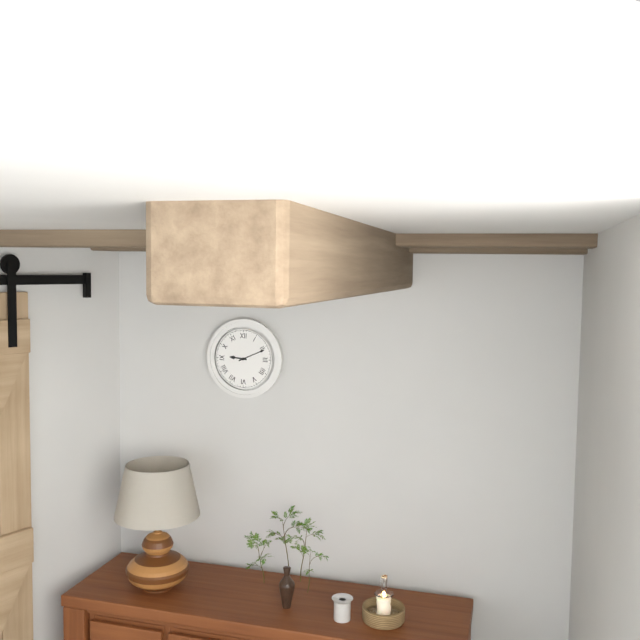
9h11
